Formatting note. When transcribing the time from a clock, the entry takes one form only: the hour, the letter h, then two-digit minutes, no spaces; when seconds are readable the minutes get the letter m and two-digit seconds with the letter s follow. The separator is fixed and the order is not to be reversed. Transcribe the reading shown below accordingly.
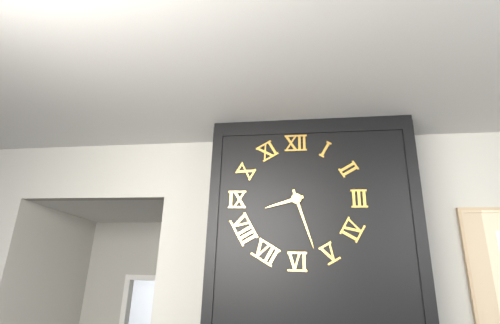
8h27
